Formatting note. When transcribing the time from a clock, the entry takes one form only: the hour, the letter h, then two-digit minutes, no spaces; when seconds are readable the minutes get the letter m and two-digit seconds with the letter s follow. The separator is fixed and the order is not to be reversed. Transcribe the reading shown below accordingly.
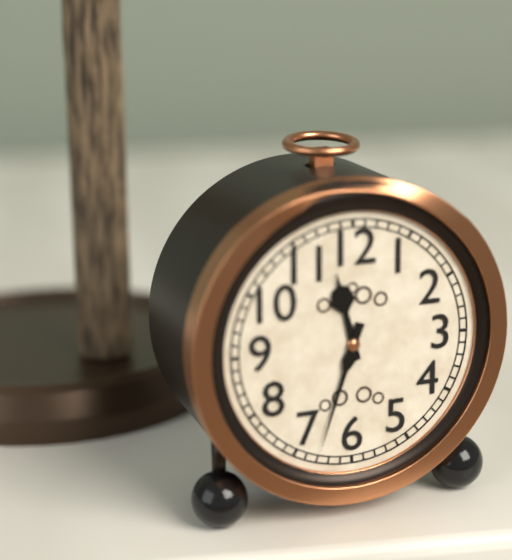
11h33
